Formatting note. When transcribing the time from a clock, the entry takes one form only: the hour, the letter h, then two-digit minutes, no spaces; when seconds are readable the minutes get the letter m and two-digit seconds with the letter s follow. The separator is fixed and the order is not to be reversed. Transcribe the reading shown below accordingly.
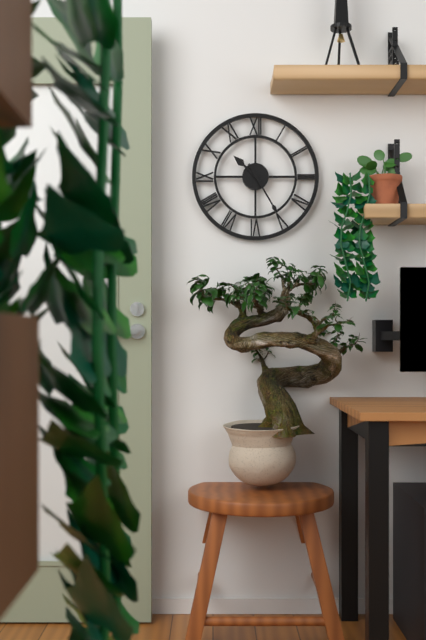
10h25
